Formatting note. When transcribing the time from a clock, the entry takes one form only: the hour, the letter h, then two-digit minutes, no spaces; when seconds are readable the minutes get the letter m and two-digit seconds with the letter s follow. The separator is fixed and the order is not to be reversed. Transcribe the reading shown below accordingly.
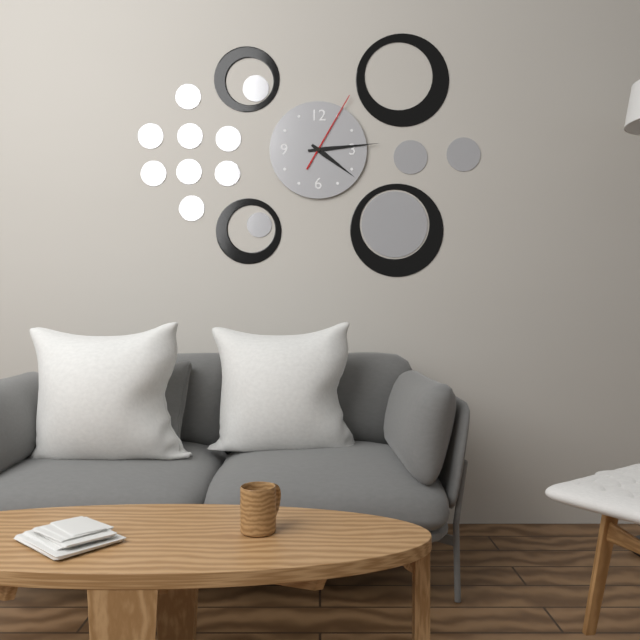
4h14m05s
